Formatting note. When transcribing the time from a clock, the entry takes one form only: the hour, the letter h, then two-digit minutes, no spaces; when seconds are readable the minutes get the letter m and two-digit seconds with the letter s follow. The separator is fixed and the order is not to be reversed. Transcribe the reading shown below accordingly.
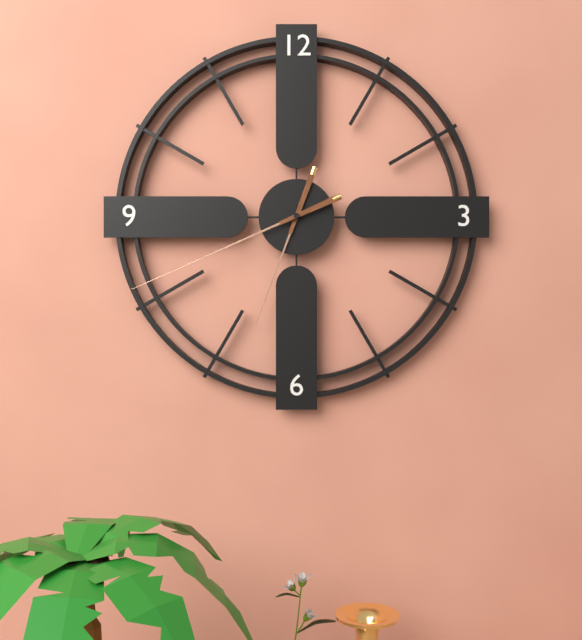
6h41
